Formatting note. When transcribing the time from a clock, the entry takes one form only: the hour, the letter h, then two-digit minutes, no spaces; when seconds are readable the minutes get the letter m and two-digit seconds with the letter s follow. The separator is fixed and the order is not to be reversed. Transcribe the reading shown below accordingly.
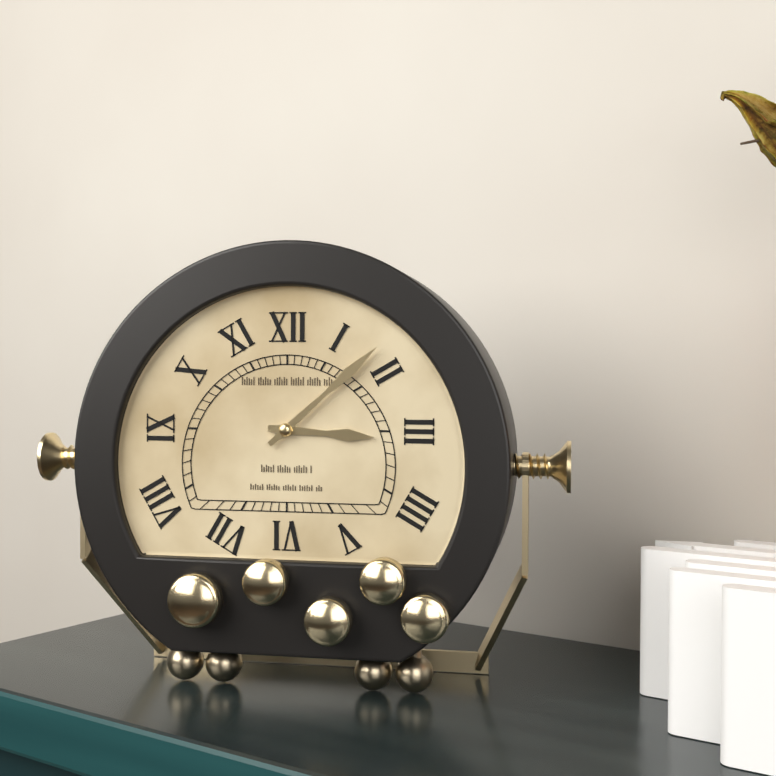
3h08
